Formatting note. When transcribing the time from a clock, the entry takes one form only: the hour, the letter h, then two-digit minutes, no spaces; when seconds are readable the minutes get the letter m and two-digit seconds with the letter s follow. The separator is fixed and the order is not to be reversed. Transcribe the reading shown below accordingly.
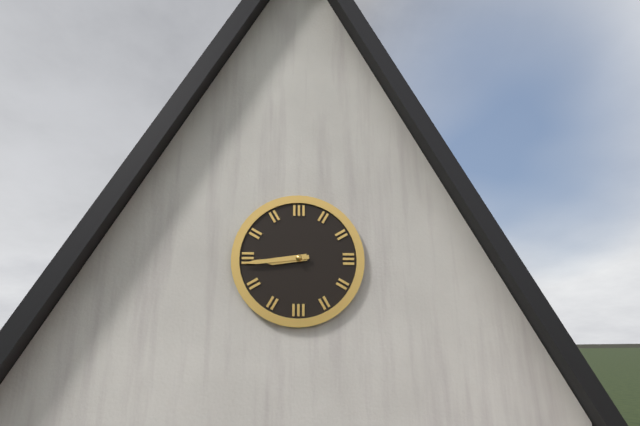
8h44
